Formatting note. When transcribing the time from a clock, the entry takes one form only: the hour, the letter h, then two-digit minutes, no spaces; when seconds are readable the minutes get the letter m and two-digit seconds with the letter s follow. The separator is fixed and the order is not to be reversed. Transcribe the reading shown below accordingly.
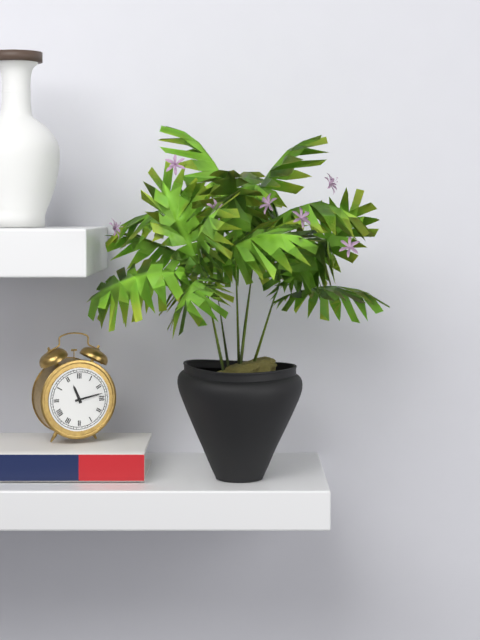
11h13
